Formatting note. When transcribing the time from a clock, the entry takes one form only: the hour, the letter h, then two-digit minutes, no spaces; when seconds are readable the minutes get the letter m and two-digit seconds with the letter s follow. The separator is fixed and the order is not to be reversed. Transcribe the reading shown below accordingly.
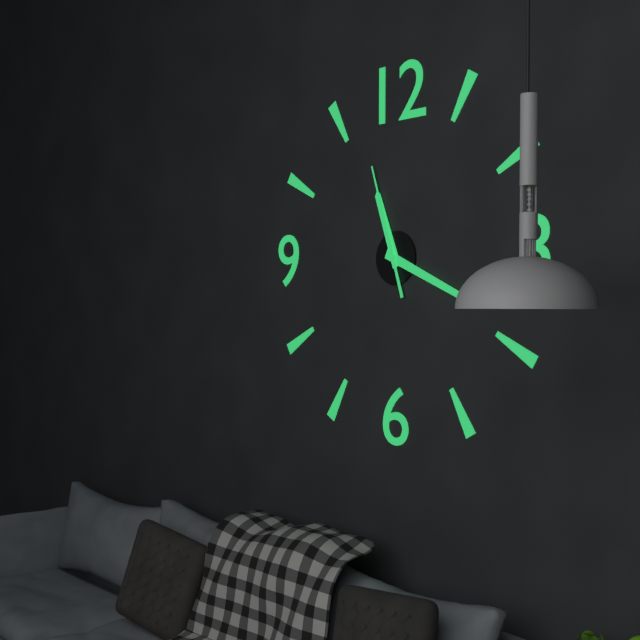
11h19m57s
